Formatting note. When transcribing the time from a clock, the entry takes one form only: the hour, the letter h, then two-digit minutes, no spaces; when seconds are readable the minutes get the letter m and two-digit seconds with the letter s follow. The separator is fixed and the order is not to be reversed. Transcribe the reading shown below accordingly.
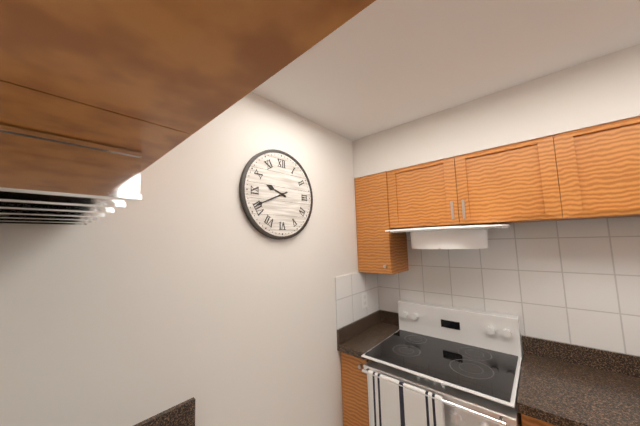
9h41
